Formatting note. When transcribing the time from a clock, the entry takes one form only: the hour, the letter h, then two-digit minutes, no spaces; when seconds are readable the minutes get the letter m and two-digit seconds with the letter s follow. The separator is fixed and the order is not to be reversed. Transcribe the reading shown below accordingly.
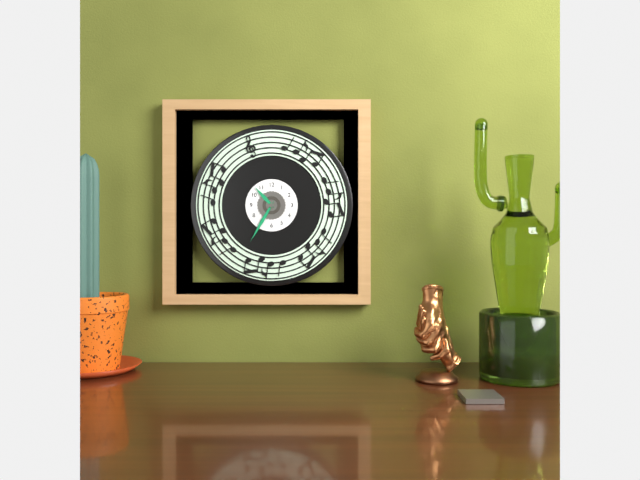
10h35
